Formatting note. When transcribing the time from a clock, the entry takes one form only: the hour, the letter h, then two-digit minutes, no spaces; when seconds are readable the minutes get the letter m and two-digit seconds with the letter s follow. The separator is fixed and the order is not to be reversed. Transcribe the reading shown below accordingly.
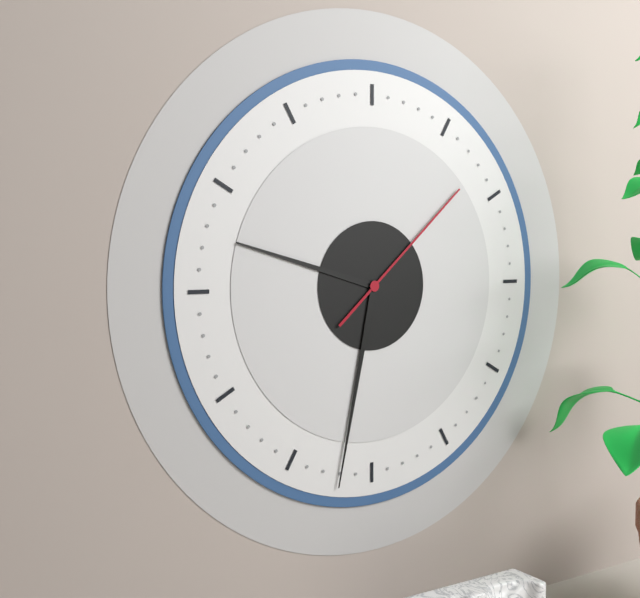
9h32m08s
